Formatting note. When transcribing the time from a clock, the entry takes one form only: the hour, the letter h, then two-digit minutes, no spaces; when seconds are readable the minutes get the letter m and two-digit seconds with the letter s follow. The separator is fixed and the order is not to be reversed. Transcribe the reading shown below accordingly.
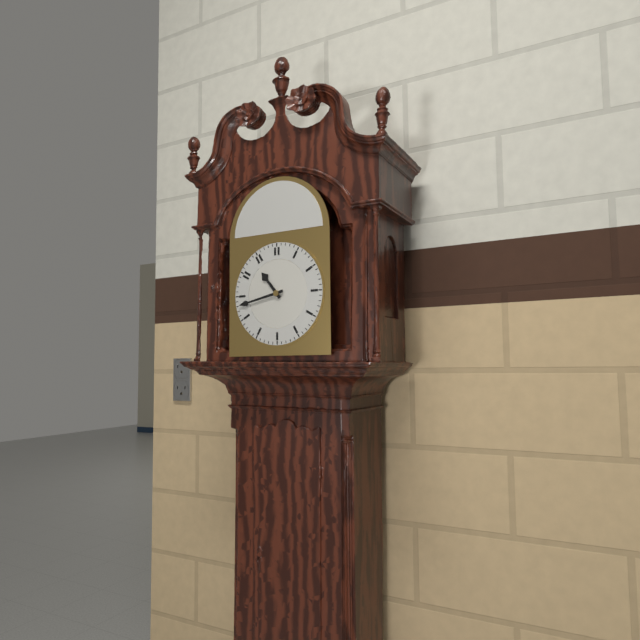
10h43
